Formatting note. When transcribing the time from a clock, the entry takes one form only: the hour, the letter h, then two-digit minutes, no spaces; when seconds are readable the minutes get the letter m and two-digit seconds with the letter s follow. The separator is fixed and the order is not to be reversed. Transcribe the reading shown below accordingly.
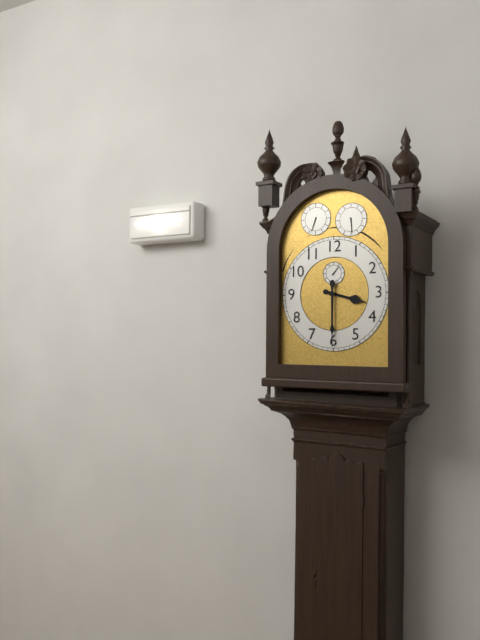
3h30
